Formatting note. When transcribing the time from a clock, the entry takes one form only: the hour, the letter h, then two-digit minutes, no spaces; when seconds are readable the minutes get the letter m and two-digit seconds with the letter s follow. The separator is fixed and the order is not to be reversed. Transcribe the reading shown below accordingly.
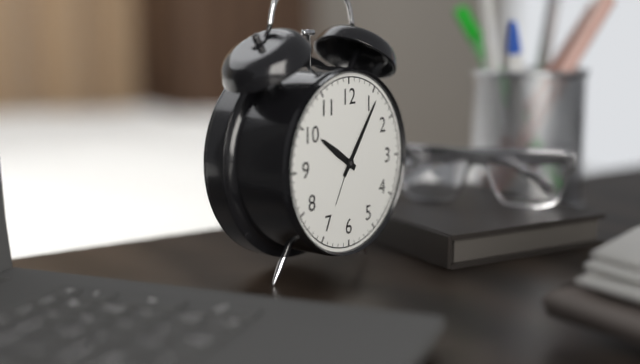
10h06
